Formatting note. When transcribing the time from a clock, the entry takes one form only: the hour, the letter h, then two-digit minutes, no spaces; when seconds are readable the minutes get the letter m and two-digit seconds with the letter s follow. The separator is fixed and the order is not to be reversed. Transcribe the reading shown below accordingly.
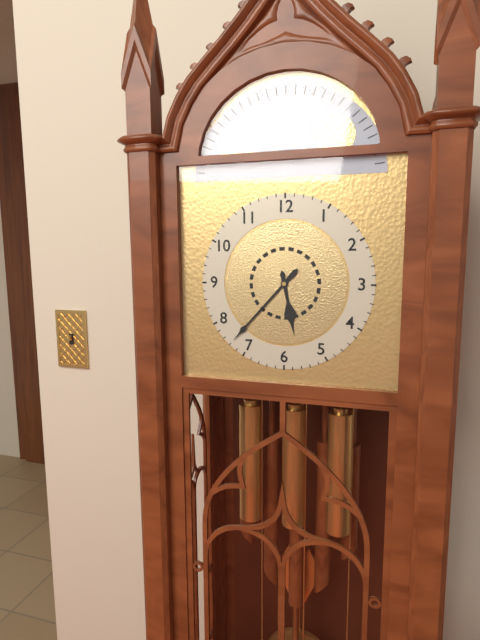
5h37
